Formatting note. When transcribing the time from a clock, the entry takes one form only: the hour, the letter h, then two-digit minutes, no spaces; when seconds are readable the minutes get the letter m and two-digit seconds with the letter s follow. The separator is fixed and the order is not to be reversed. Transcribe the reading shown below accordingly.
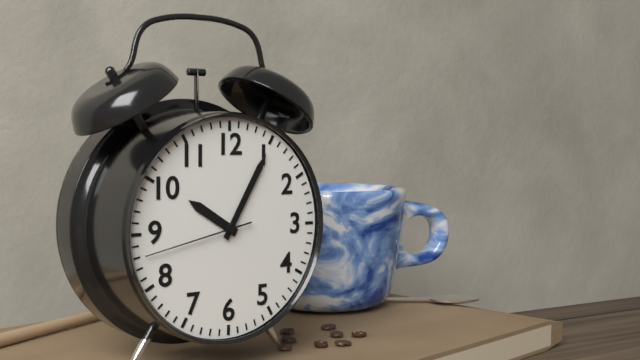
10h05m43s
